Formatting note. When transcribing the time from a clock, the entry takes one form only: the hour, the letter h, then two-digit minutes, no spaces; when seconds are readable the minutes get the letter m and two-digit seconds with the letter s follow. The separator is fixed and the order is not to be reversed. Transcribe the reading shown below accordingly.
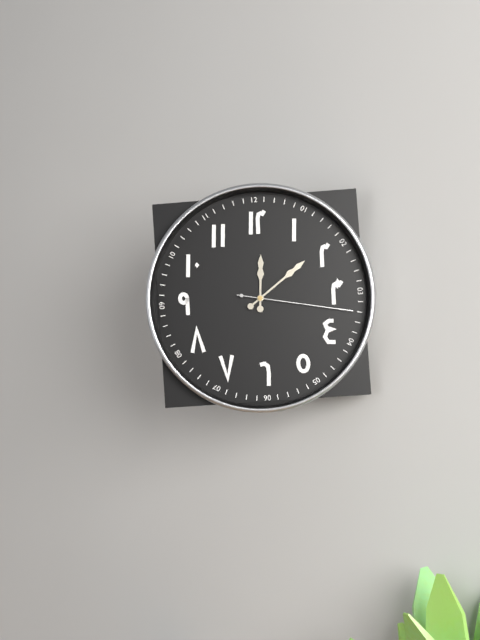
12h09m17s
